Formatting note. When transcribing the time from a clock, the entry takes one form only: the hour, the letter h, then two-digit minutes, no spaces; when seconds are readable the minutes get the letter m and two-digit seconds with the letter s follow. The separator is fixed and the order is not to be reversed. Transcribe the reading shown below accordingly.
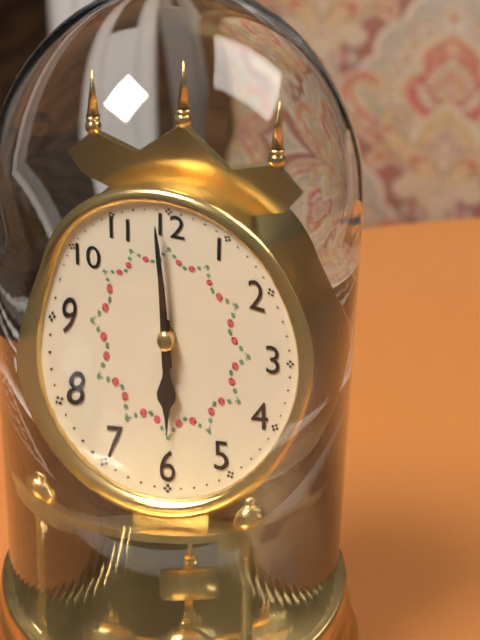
5h59
